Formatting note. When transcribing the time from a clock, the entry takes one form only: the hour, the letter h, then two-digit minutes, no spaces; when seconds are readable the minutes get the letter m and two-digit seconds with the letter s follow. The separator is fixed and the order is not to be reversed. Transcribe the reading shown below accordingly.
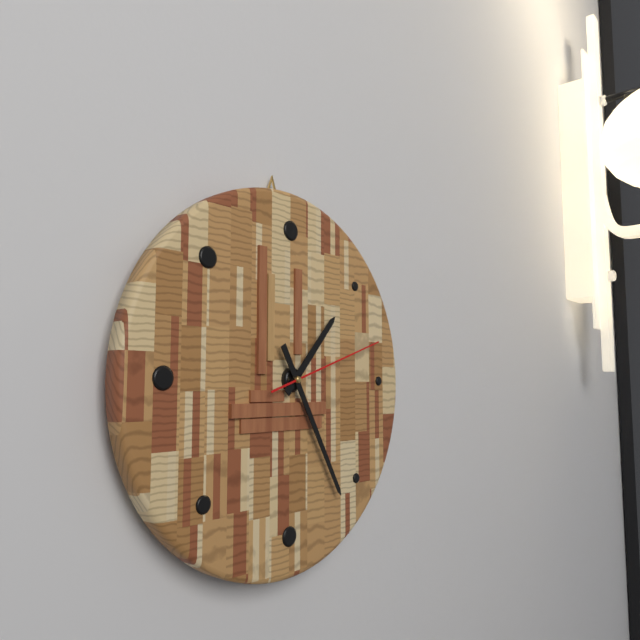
1h25m12s
